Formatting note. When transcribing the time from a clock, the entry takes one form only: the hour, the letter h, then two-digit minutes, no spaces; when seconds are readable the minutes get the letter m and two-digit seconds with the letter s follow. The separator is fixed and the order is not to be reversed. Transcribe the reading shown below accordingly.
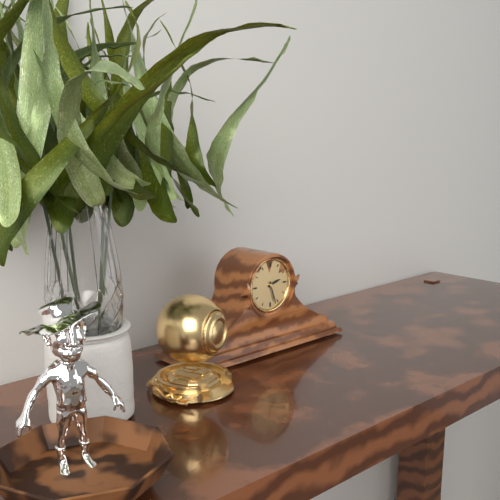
2h27
